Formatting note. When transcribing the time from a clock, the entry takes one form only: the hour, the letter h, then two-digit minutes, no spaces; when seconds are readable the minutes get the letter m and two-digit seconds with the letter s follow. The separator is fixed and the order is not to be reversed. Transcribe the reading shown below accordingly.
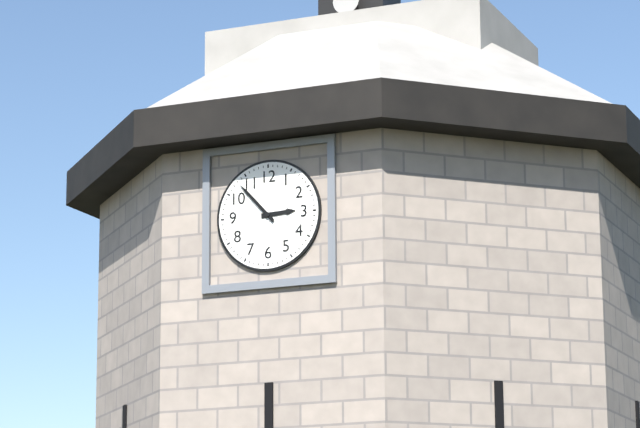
2h53
